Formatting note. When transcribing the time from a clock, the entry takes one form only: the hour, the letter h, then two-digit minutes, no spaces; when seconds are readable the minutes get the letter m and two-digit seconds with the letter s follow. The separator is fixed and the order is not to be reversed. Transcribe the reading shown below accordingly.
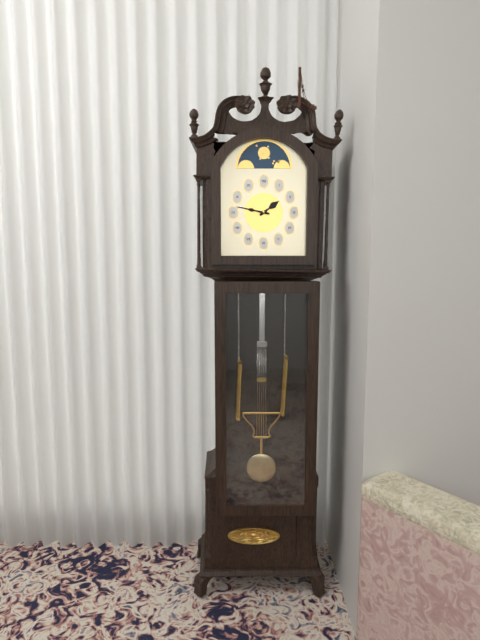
1h47
